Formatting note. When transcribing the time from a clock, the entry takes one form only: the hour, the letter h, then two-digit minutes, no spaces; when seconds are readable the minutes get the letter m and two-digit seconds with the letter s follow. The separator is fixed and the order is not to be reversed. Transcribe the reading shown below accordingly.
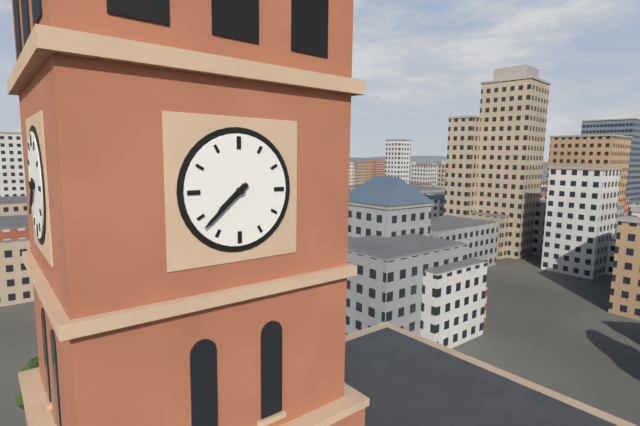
7h38
